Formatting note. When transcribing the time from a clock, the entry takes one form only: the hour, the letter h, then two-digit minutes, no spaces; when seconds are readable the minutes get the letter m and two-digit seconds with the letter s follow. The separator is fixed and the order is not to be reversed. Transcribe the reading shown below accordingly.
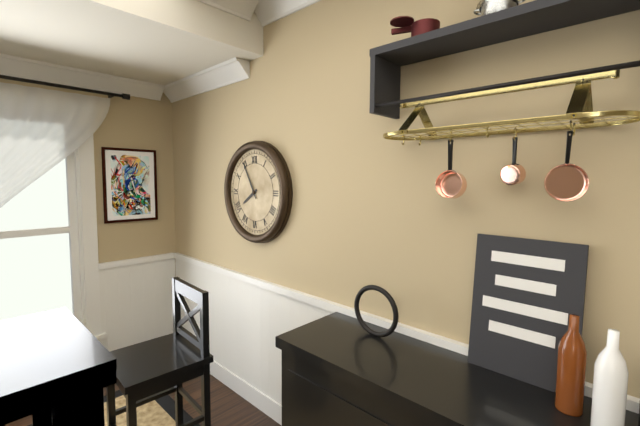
7h55
